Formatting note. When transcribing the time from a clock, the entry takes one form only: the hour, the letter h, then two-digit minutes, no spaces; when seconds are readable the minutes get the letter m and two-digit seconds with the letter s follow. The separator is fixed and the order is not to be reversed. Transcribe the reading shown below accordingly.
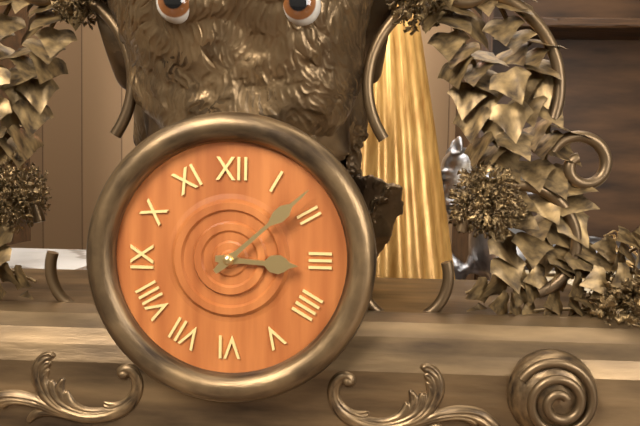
3h08
